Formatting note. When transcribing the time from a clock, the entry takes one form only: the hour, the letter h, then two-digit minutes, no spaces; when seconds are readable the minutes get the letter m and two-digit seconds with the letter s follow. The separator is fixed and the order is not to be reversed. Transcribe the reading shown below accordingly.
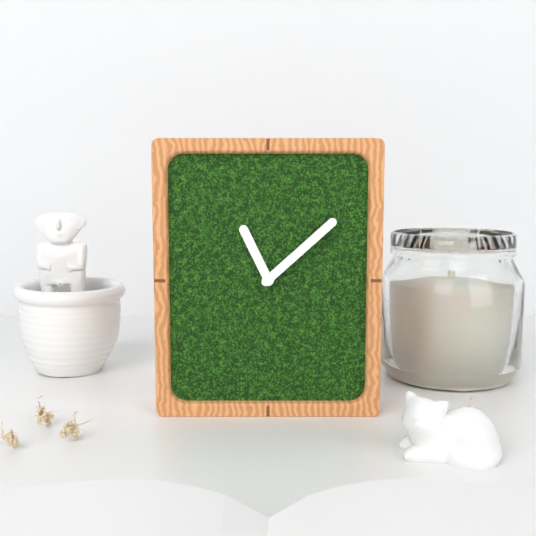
11h08
